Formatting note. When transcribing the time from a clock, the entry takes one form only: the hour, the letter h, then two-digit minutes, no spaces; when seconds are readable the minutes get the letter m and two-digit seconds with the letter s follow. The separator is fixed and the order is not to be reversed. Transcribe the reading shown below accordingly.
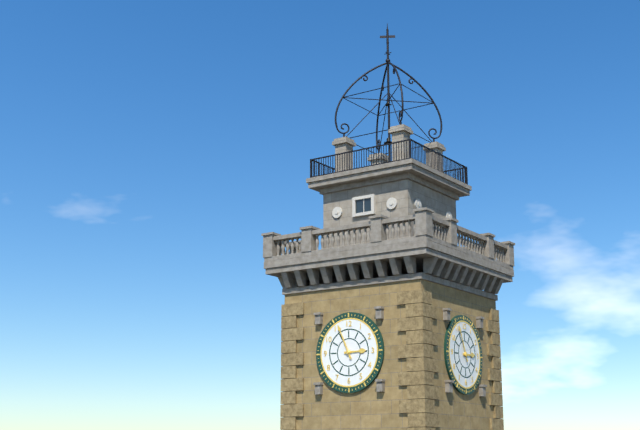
2h56
